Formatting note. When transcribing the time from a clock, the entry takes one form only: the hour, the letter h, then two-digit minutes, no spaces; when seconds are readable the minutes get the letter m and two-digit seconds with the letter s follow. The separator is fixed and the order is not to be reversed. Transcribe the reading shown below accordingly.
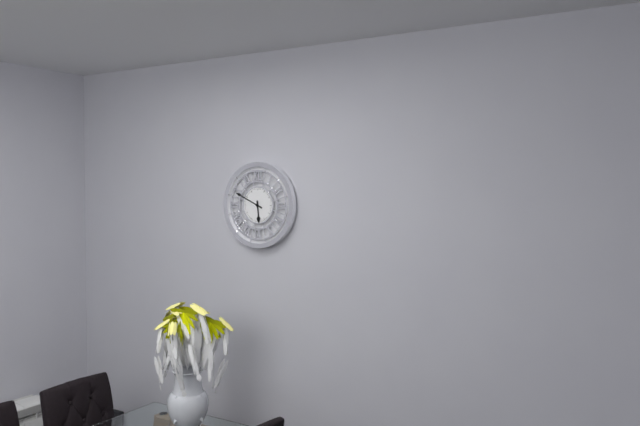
5h49
